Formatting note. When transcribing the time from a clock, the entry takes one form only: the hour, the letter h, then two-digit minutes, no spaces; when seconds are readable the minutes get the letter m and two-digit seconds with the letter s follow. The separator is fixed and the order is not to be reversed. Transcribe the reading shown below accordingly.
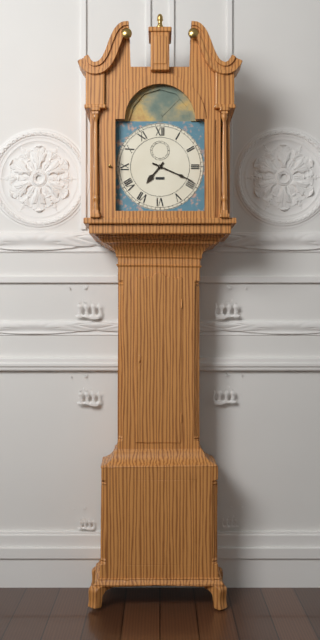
7h19
